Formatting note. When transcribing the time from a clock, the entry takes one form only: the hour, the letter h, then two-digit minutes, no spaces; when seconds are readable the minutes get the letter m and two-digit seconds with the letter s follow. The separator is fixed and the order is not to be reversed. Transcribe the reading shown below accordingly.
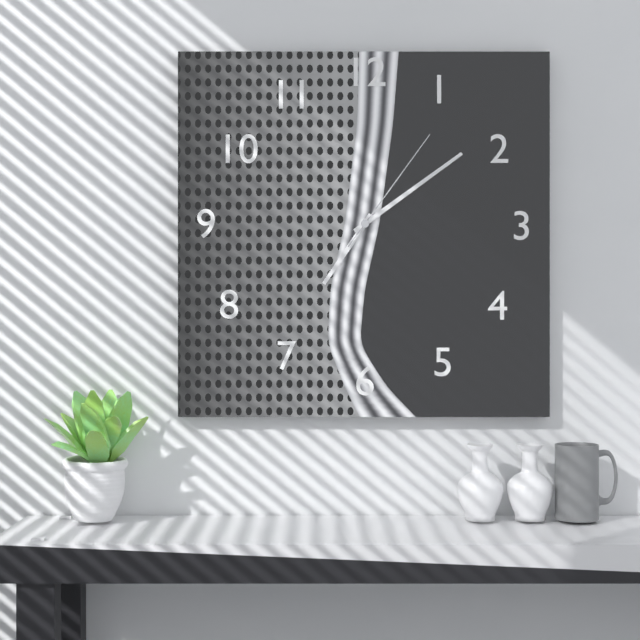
7h09m06s
